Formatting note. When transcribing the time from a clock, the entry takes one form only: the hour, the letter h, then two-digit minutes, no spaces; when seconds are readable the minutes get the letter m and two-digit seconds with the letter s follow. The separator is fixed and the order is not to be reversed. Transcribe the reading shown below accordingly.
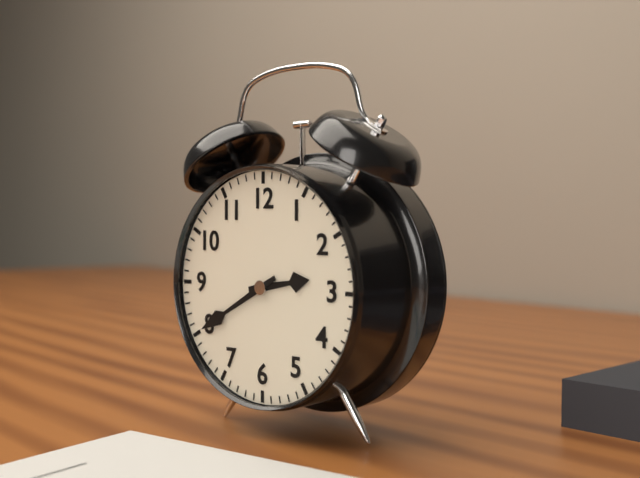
2h40
